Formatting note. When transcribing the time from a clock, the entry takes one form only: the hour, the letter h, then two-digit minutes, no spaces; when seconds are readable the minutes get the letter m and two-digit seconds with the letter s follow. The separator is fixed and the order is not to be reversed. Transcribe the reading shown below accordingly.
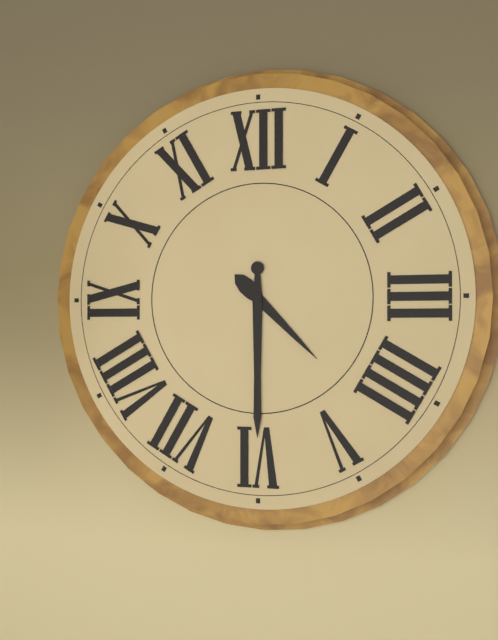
4h30
